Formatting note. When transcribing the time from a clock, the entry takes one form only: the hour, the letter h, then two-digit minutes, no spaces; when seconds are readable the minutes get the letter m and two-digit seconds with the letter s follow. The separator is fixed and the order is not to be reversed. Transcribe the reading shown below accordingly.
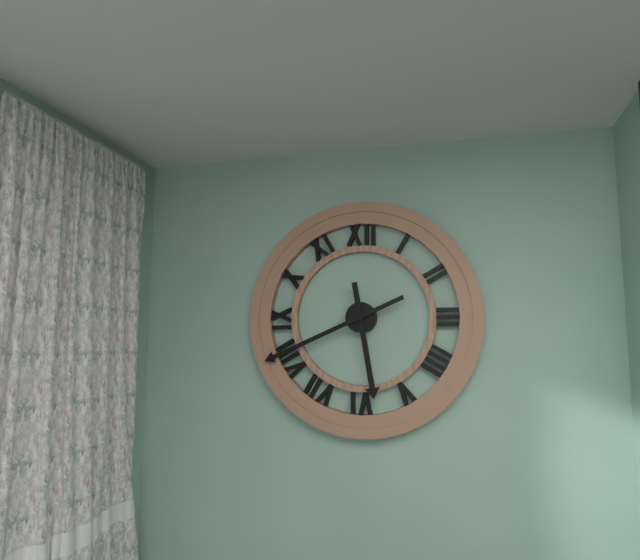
5h41
